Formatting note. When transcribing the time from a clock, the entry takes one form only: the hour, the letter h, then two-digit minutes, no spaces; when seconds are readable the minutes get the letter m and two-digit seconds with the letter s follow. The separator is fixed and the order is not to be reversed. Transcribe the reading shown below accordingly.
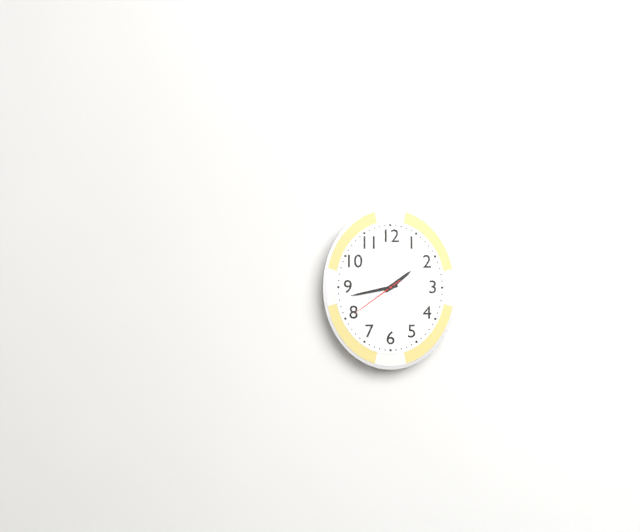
1h43m39s
